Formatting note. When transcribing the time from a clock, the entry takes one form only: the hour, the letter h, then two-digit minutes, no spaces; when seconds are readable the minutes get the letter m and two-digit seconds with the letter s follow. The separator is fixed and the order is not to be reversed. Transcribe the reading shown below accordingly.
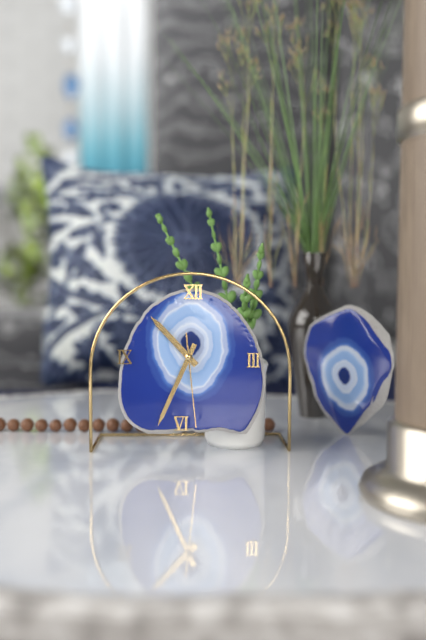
10h34m29s
